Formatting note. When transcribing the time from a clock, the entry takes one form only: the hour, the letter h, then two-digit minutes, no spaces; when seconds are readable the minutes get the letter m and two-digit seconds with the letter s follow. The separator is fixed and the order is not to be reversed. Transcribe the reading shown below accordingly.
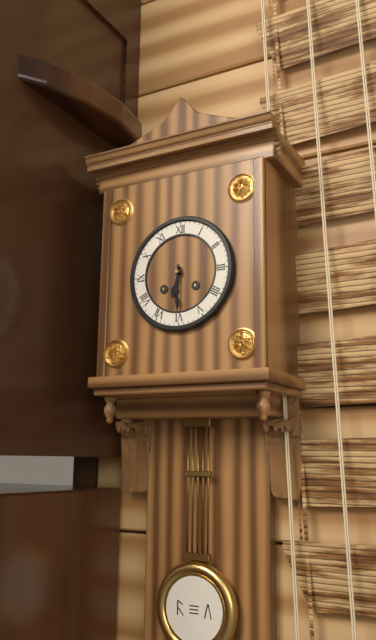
6h30
